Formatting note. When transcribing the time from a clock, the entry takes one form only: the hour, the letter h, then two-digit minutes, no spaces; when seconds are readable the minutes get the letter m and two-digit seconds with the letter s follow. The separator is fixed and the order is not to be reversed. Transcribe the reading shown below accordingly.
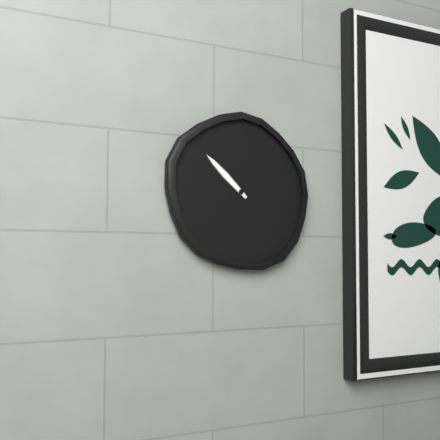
9h52
